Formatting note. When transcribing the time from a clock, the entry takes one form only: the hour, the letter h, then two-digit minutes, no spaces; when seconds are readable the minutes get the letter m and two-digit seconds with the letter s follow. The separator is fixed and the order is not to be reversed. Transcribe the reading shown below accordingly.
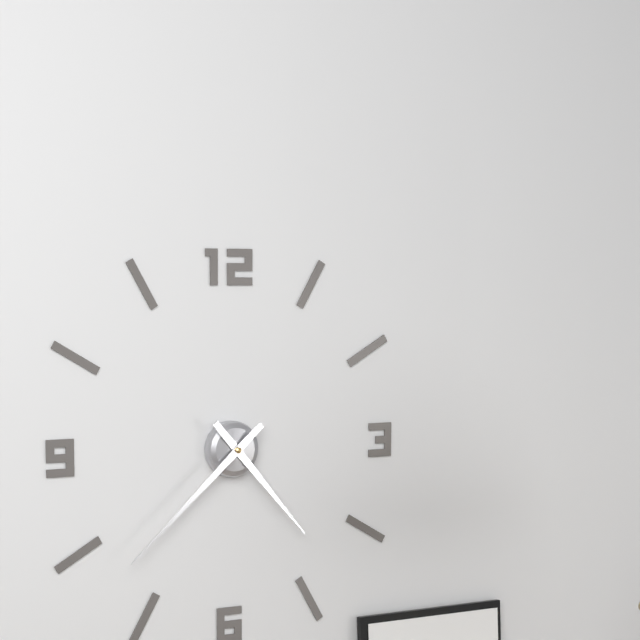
4h38
